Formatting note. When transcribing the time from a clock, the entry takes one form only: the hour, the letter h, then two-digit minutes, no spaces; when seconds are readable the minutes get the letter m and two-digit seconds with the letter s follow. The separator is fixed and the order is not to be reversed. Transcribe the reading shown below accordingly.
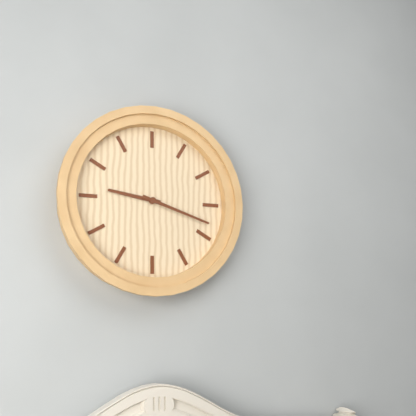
9h18
